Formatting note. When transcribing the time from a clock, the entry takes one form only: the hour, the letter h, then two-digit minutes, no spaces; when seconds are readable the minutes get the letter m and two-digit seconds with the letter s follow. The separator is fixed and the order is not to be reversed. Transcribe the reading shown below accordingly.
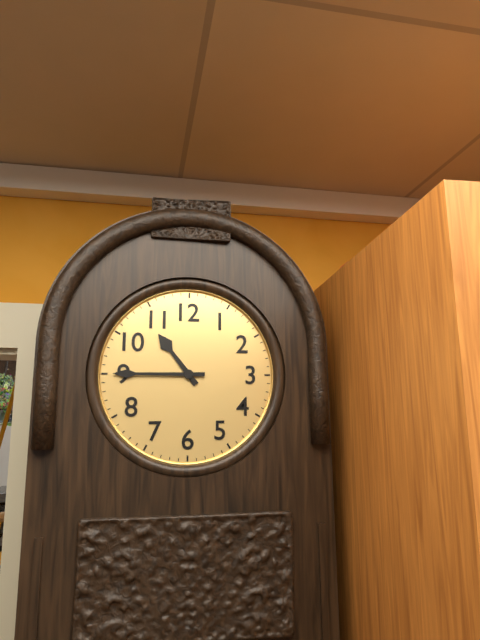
10h45
